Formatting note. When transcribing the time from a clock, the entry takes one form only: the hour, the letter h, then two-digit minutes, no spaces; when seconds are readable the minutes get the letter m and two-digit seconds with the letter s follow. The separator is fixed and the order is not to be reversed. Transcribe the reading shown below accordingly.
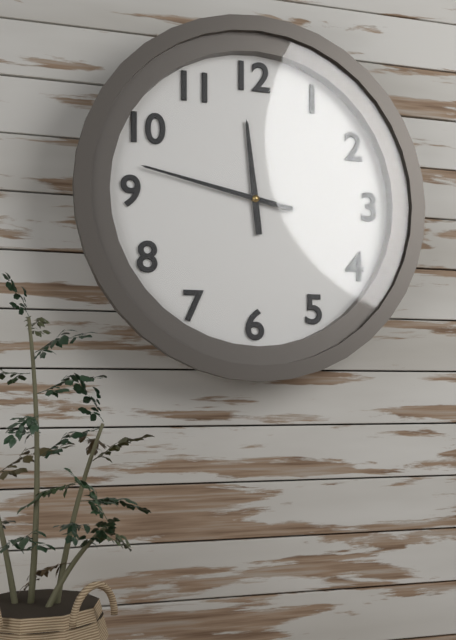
11h47
